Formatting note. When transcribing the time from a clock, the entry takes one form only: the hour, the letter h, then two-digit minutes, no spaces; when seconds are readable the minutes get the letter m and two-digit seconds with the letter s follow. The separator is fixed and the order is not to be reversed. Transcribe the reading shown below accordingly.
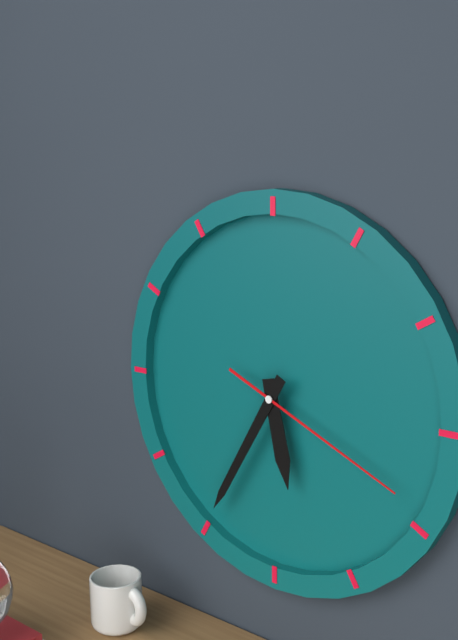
5h35m19s
